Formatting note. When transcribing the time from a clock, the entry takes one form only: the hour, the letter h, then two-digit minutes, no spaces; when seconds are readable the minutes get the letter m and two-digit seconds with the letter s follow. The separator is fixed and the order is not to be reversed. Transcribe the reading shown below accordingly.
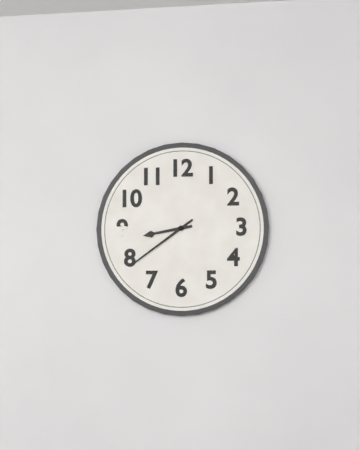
8h39
